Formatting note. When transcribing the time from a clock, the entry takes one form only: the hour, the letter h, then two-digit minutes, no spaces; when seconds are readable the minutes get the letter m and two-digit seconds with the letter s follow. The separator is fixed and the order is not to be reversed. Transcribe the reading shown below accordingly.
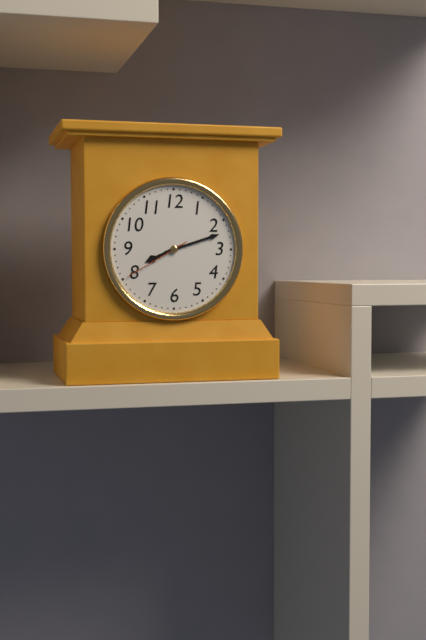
8h12m40s
